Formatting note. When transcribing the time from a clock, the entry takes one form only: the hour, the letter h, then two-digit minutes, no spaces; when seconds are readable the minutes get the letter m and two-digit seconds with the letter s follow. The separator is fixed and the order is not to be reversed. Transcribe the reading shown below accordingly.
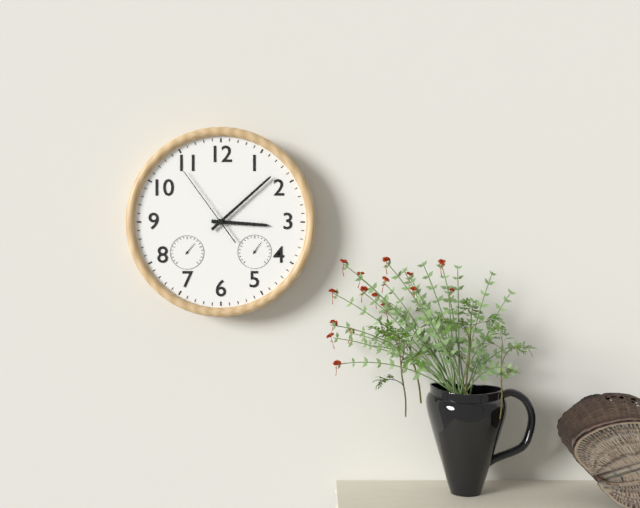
3h08m54s
